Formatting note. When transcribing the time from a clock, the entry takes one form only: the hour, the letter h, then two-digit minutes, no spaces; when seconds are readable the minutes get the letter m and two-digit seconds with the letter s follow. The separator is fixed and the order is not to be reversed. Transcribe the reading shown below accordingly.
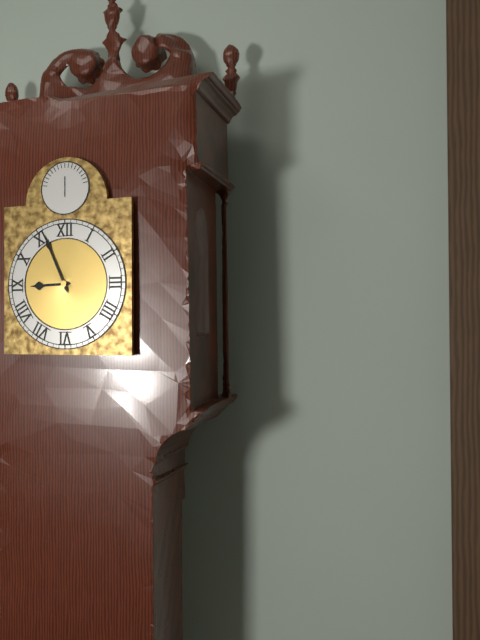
8h56
